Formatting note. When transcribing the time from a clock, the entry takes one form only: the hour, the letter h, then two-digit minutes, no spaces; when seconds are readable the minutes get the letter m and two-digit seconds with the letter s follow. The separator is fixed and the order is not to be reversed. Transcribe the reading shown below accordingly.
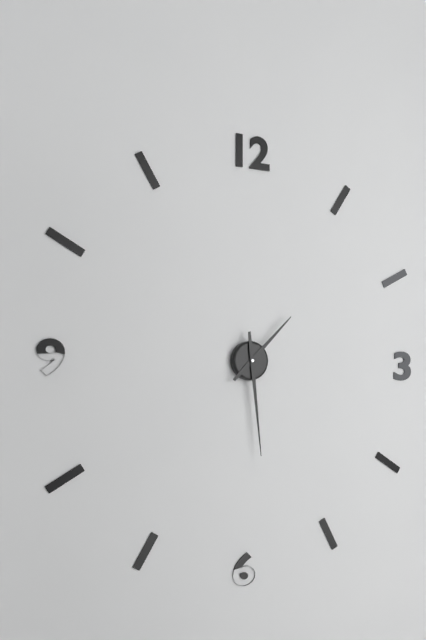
1h29
